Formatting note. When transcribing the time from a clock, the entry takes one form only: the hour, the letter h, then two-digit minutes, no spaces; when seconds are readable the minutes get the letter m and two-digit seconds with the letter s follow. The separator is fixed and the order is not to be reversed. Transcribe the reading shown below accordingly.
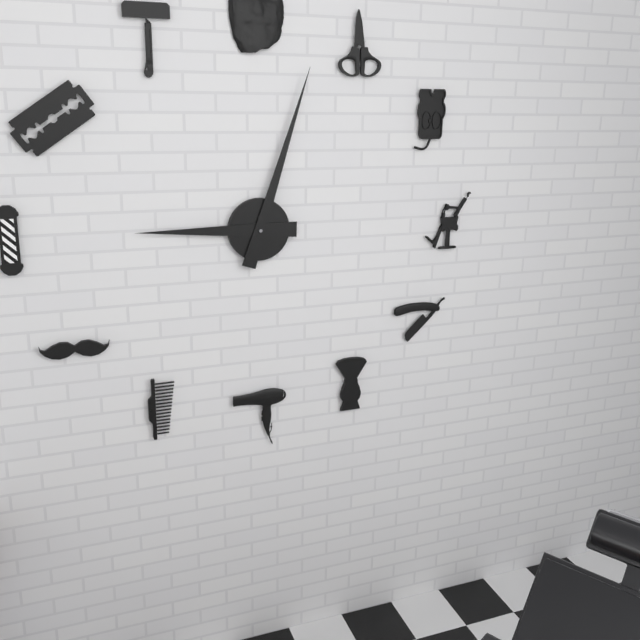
9h03
